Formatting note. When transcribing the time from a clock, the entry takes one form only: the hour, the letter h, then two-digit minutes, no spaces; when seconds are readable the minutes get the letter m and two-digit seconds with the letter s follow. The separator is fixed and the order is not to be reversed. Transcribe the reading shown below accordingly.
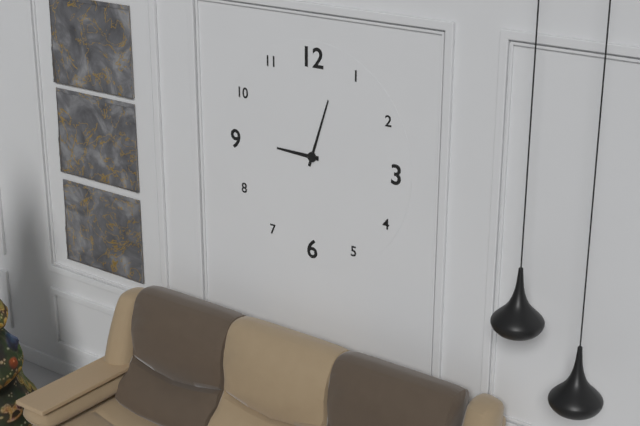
9h03
